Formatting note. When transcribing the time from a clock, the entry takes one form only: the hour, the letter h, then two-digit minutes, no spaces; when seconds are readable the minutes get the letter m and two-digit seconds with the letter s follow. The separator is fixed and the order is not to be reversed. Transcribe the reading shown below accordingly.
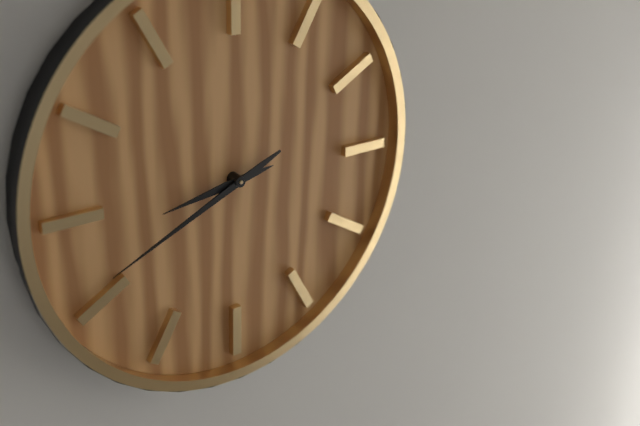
8h41
